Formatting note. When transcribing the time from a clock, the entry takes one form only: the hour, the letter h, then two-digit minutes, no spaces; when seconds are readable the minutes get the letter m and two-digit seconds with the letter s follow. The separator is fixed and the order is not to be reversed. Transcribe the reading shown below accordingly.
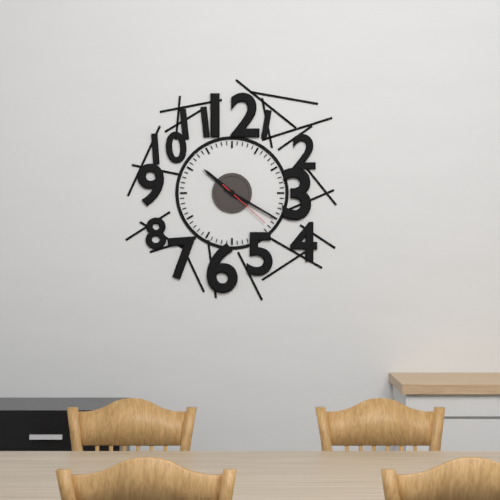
10h20m22s
